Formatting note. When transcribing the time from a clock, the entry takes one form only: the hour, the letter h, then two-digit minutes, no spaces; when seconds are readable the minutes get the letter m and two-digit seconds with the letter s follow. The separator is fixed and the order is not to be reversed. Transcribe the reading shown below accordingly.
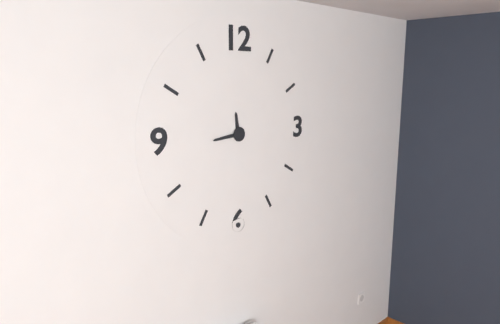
11h44
